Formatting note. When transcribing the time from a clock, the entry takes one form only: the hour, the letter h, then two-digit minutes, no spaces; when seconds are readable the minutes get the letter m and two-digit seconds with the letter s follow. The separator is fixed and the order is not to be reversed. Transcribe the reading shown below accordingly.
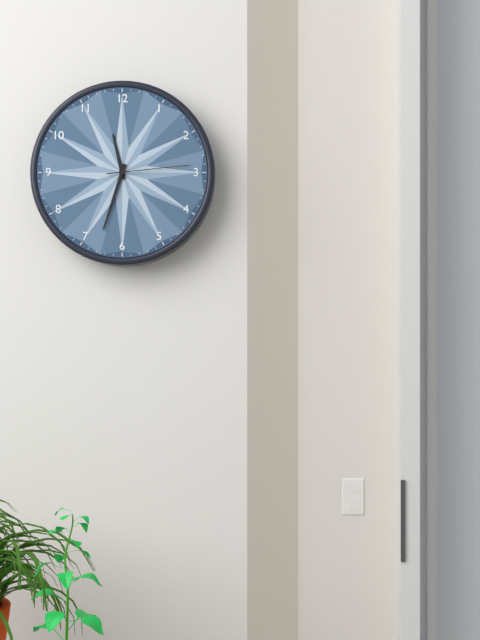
11h33m14s
